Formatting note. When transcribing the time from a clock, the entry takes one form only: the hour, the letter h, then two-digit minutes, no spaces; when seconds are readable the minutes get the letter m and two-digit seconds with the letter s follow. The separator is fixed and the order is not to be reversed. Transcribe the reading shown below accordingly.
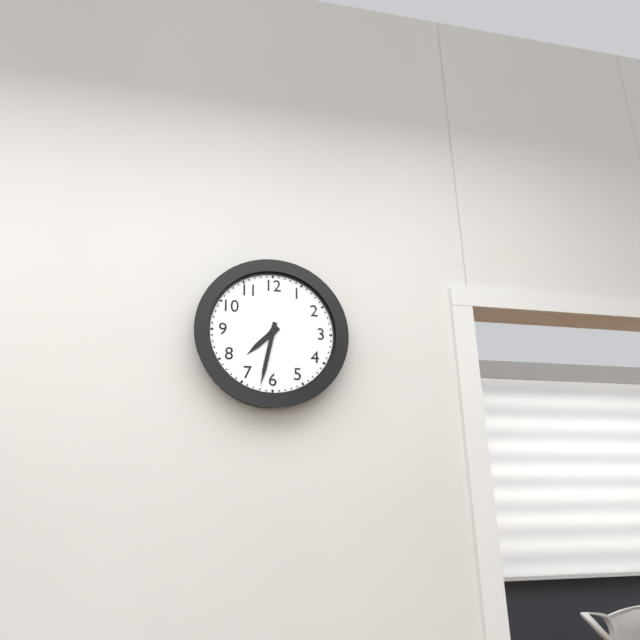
7h32
